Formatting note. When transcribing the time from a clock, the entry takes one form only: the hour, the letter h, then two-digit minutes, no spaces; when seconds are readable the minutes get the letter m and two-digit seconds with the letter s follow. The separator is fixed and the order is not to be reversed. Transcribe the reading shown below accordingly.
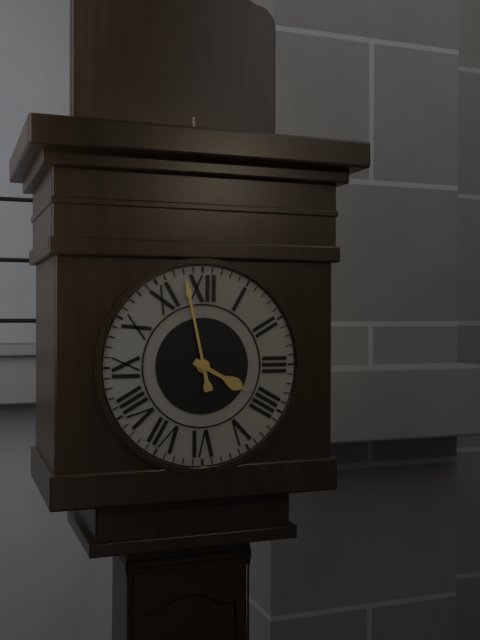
3h58
